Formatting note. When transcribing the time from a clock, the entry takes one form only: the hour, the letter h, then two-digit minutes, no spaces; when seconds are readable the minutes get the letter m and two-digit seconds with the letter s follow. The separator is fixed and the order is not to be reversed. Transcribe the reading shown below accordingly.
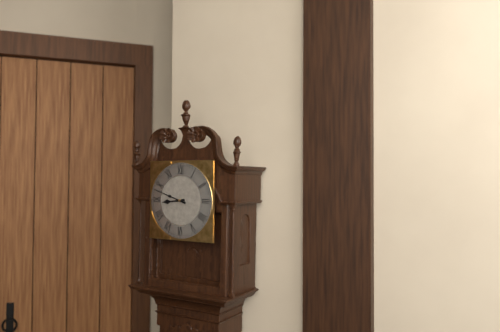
8h48
